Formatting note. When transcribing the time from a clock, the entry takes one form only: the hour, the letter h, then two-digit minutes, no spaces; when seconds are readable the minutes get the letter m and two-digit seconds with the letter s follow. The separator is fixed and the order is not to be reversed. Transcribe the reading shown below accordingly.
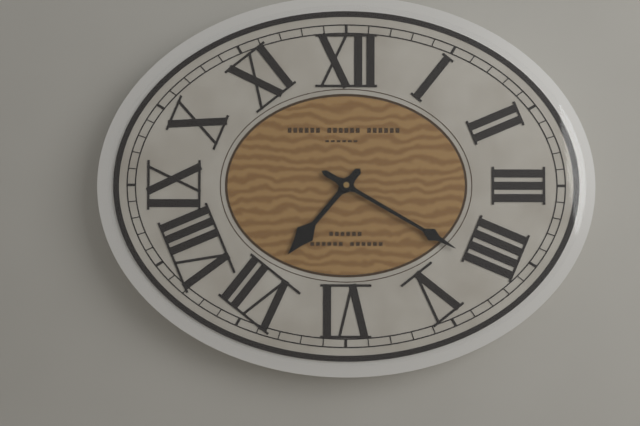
7h20
